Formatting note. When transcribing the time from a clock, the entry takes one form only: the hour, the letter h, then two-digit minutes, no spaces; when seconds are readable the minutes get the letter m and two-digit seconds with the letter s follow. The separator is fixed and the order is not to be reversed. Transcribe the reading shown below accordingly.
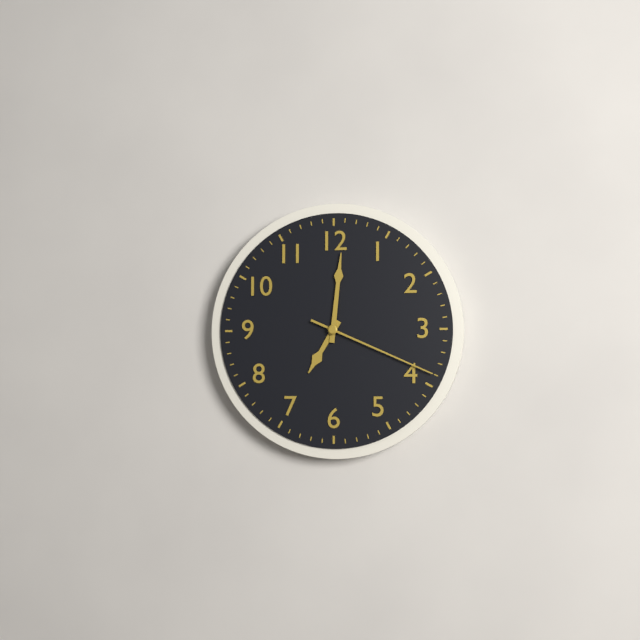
7h01m19s
